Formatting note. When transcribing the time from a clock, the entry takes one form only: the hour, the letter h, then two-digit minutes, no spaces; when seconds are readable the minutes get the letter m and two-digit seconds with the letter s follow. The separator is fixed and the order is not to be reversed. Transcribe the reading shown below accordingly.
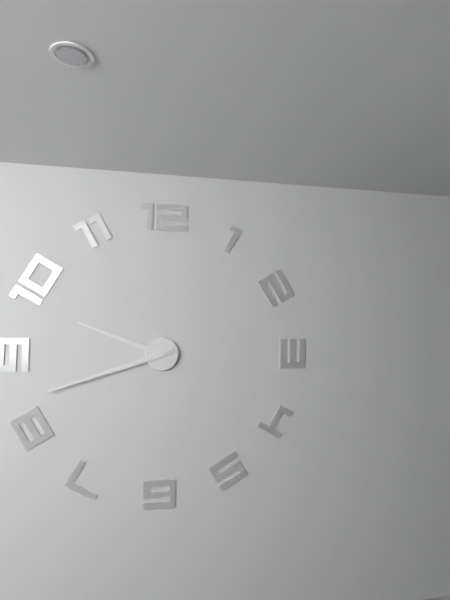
9h42
